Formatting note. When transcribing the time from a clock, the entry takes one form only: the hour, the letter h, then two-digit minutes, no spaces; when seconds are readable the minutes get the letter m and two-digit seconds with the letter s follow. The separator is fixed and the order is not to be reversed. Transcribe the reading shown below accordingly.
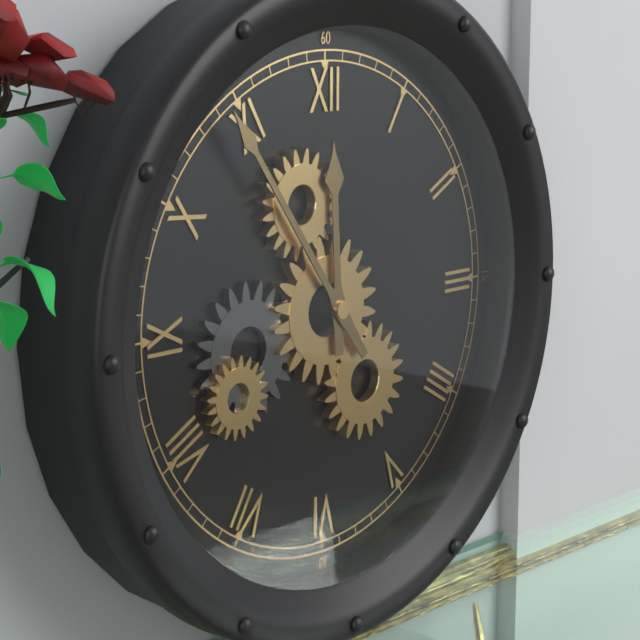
11h54
